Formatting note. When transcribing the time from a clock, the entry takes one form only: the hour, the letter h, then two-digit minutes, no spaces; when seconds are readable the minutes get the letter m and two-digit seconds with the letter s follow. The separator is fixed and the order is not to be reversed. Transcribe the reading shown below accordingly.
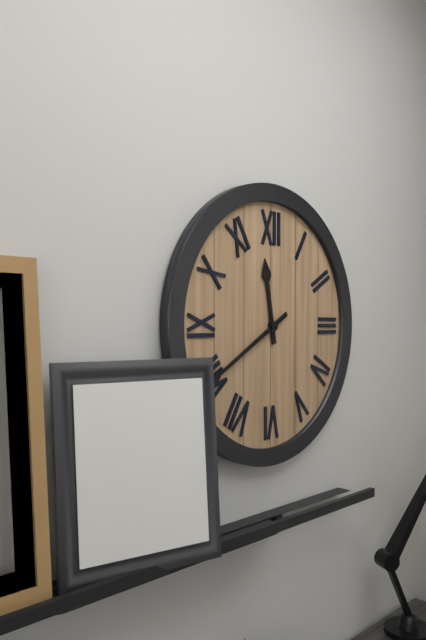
11h40
